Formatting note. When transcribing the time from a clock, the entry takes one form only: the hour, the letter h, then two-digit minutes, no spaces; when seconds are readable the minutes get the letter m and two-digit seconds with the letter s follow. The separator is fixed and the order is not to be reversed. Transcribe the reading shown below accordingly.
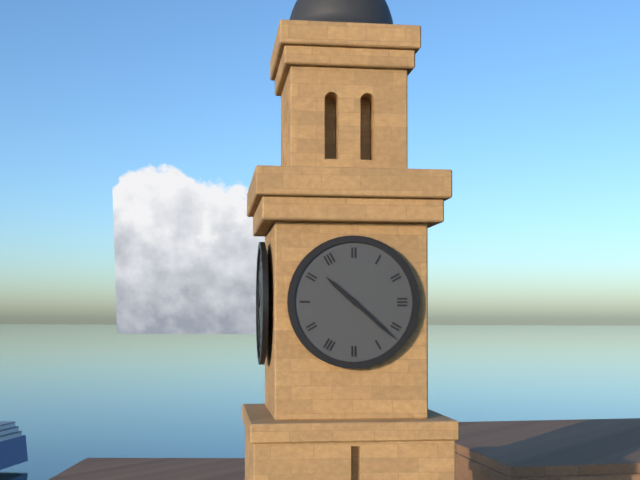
10h22
